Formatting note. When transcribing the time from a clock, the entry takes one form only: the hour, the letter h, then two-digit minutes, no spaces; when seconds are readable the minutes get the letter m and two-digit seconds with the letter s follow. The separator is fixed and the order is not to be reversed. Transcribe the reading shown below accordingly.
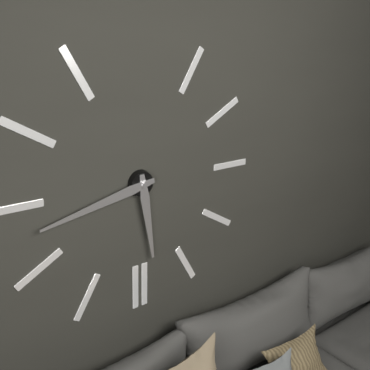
5h43
